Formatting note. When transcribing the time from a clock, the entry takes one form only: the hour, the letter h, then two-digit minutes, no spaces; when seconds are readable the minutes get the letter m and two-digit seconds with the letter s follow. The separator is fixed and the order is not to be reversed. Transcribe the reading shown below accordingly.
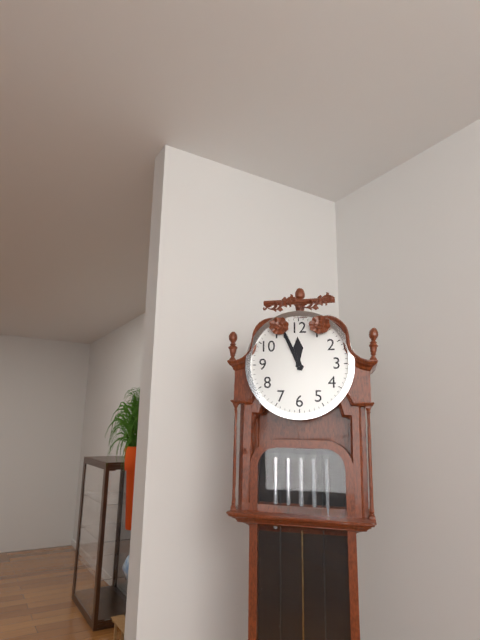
11h56
